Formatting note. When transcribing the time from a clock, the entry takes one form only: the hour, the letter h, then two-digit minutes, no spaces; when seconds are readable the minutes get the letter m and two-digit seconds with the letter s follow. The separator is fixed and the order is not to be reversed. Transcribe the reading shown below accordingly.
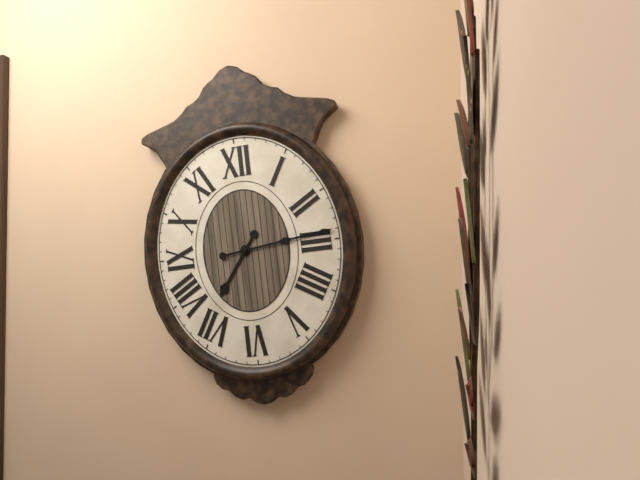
7h14
